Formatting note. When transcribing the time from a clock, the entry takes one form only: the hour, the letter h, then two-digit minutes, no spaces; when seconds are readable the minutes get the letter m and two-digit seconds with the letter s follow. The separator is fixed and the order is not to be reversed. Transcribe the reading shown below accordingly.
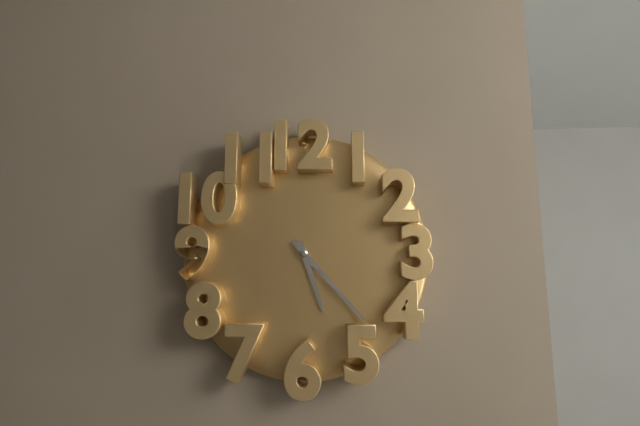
5h23
